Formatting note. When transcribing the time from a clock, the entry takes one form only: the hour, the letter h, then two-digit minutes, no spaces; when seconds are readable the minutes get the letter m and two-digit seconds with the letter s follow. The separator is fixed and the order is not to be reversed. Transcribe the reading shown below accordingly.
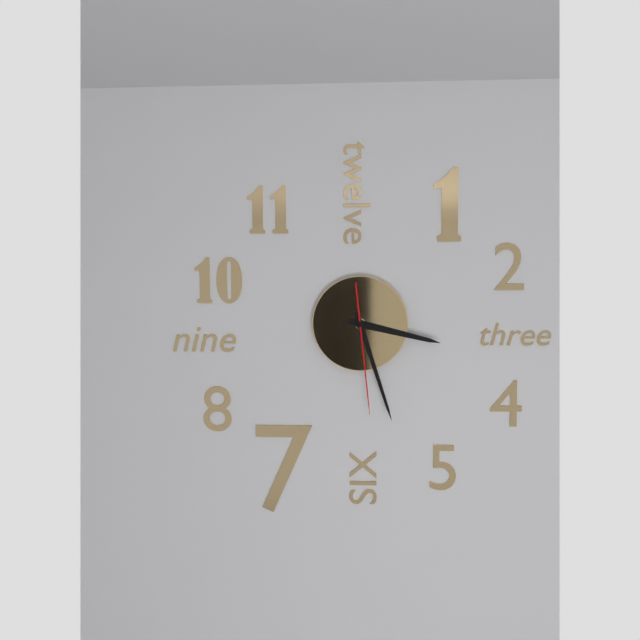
3h27m29s
